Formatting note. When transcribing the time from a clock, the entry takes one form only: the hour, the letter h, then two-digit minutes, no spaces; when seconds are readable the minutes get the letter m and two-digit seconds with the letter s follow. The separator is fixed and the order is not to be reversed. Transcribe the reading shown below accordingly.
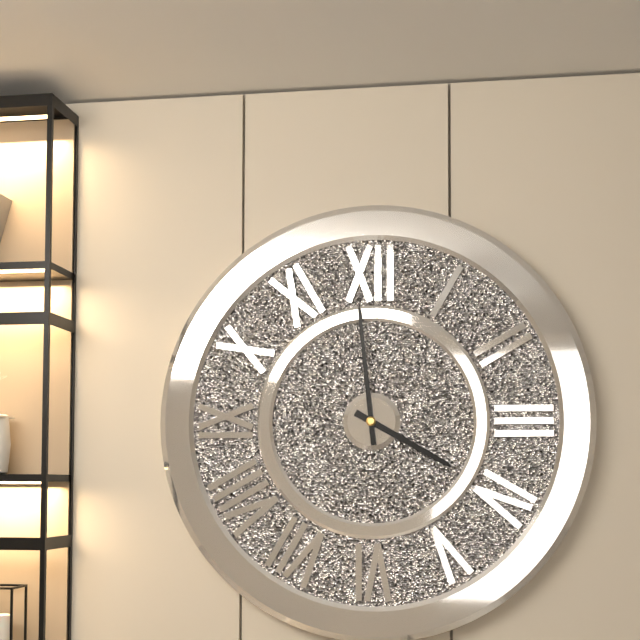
3h59
